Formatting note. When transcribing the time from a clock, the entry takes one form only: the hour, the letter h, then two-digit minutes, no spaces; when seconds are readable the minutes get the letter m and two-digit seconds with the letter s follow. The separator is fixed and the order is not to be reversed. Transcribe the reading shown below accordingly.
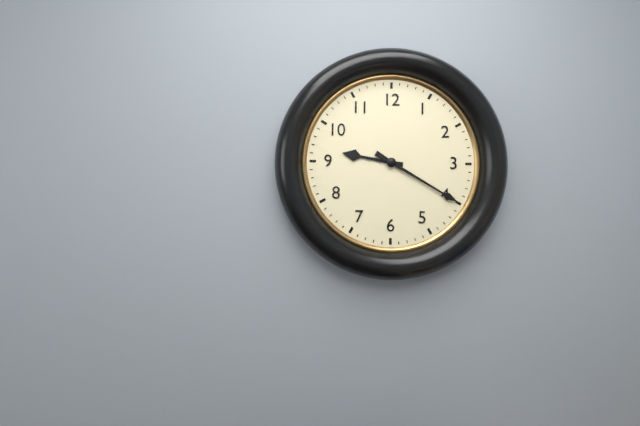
9h20
